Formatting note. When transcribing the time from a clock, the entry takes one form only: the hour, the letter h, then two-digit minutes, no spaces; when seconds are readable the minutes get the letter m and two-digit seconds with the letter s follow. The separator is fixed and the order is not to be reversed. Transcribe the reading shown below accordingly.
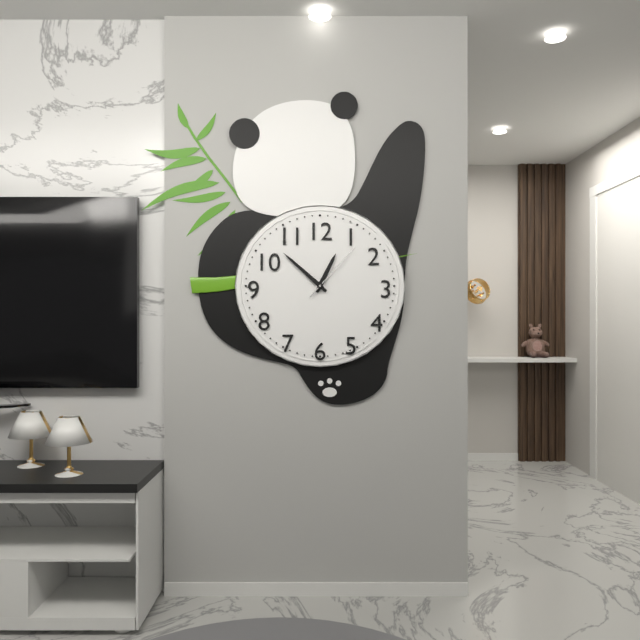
12h52m07s
